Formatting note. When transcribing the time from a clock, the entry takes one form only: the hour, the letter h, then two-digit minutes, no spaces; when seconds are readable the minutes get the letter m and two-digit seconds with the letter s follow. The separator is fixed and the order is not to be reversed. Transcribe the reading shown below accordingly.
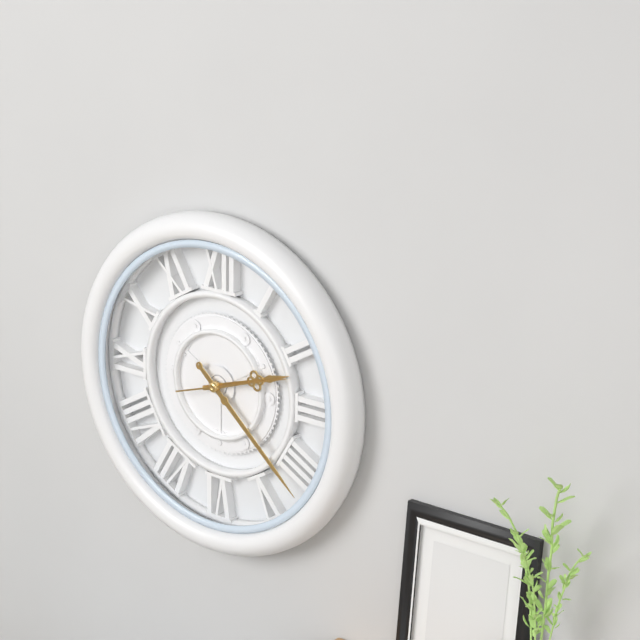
2h22m12s
